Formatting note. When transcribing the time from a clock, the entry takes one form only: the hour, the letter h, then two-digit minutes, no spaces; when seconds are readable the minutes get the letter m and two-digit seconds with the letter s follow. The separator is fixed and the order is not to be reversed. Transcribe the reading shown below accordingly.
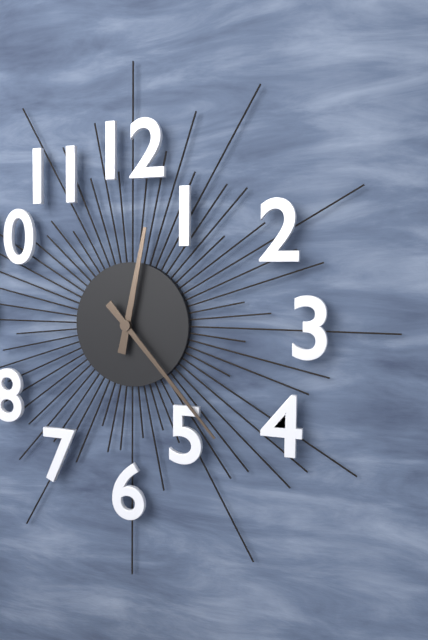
12h23
